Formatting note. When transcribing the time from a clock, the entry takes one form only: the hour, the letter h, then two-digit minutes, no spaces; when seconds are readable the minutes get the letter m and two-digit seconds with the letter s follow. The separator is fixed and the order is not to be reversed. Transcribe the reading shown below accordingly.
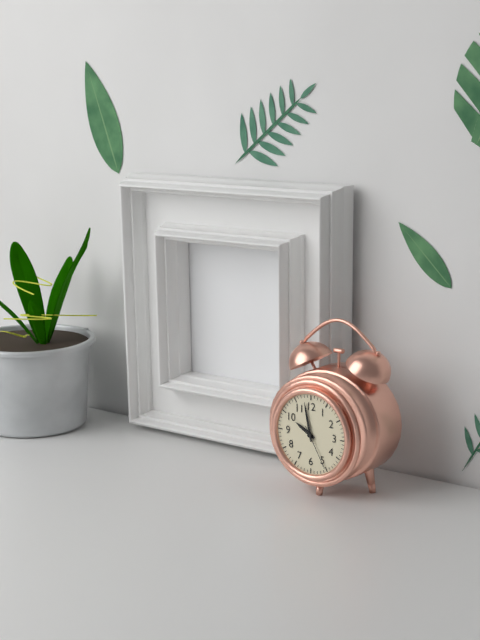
9h58
